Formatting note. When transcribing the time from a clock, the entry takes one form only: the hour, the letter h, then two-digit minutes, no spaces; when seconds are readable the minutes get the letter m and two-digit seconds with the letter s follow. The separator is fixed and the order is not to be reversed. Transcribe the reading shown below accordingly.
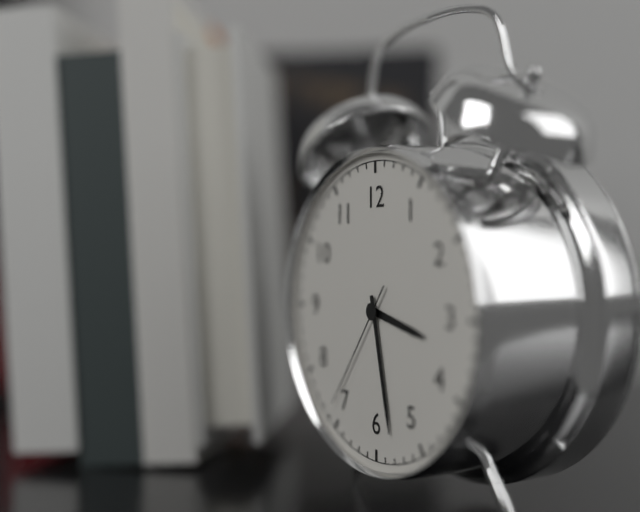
3h28m36s
